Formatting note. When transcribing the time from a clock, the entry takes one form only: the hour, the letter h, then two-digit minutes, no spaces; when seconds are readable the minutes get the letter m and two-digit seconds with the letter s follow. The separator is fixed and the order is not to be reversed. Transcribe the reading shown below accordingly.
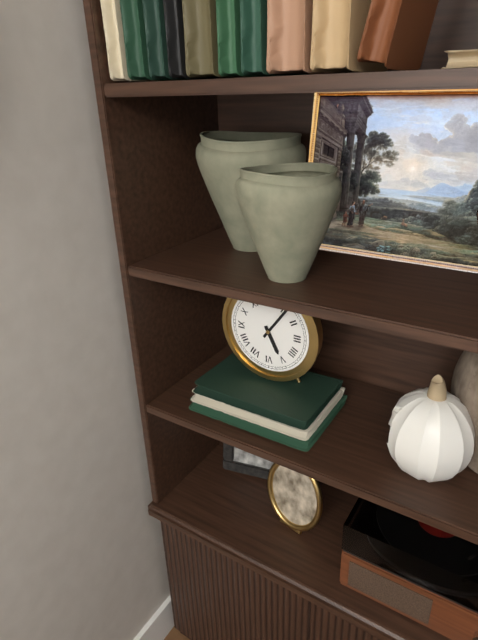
5h06
